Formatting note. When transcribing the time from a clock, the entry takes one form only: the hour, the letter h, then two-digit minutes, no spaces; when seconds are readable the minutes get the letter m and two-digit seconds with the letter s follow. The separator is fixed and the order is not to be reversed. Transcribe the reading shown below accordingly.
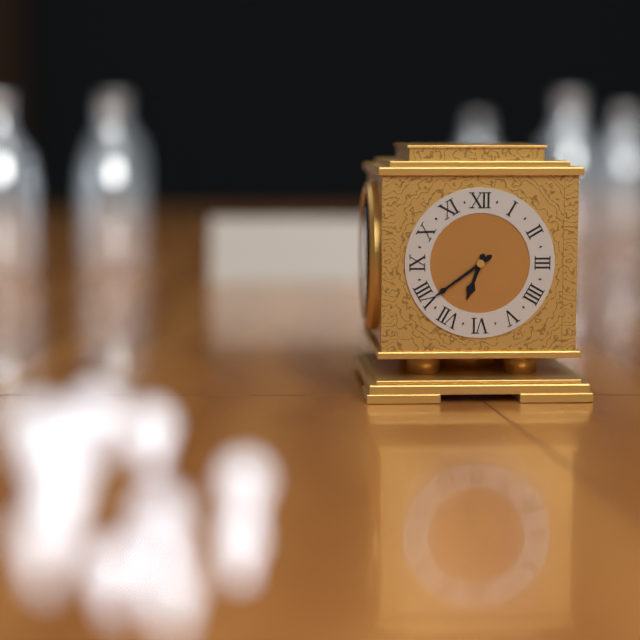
6h39
